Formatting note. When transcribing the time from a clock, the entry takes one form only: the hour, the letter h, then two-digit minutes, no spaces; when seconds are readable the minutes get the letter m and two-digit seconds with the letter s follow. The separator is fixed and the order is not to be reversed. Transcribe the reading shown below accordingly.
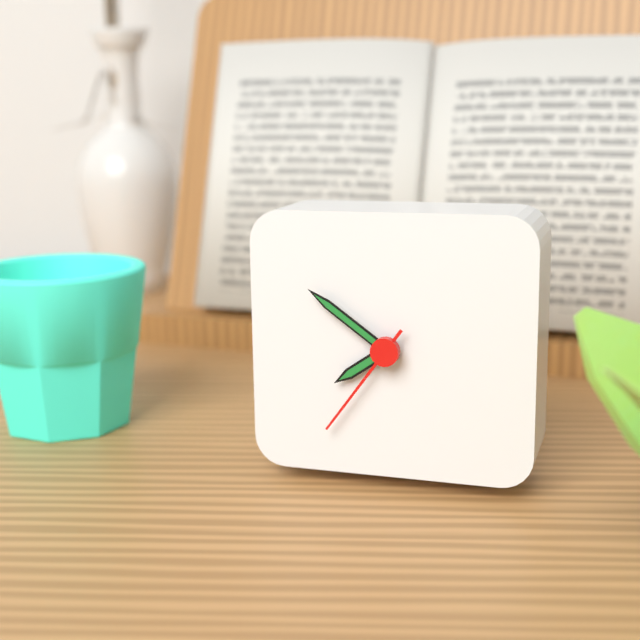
7h51m36s
